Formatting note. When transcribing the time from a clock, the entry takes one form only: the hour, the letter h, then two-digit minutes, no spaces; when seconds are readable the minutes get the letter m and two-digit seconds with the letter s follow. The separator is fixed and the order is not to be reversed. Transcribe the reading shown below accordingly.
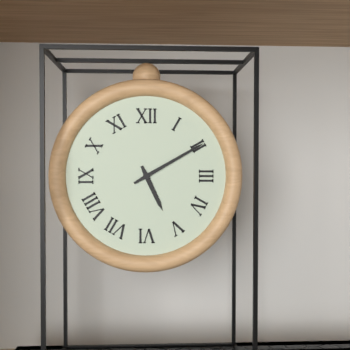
5h10
